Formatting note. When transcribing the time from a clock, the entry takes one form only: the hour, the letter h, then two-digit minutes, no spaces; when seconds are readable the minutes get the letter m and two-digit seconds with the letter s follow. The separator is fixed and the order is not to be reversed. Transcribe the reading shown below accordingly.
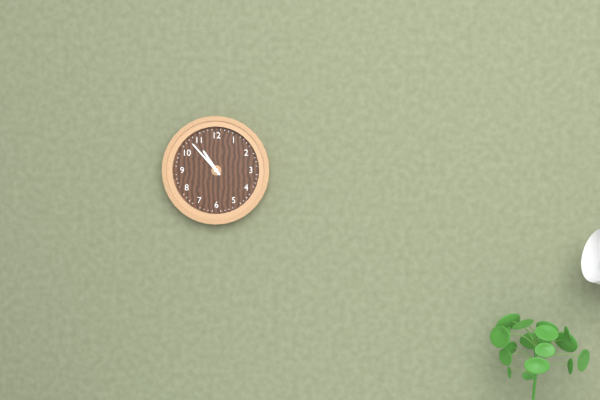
10h53
